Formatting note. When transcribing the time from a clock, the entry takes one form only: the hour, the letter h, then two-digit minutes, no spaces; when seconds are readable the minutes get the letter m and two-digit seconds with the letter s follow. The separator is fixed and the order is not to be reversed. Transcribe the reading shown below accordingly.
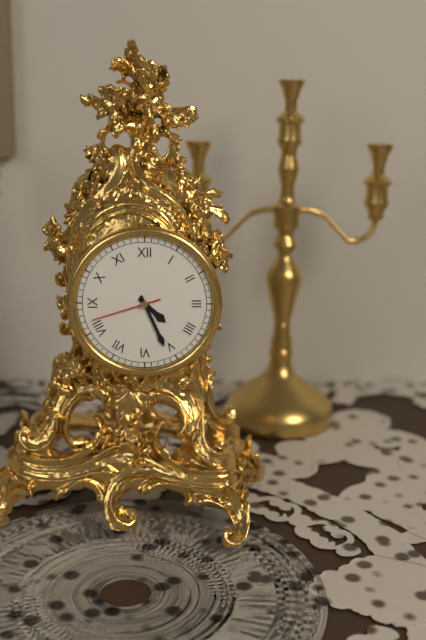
4h26m42s
